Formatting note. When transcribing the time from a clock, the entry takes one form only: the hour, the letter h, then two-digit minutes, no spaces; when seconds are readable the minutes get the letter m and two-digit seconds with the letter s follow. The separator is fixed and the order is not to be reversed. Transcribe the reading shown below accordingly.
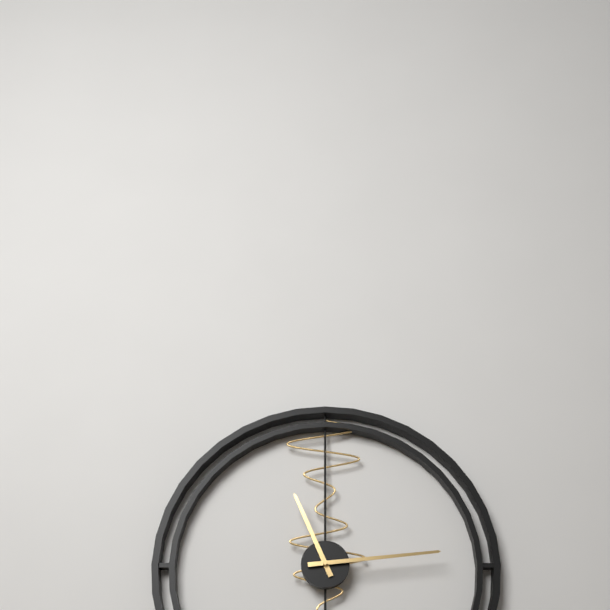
11h14
